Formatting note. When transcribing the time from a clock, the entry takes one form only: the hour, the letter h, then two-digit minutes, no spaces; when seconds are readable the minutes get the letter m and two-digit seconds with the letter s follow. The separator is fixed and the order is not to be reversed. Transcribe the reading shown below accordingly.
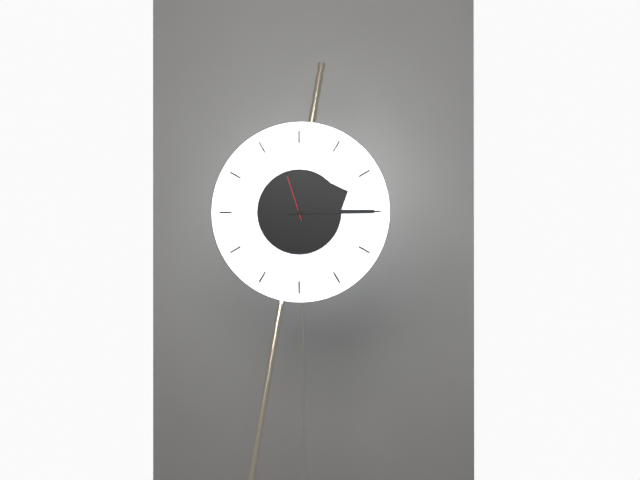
2h15m57s
